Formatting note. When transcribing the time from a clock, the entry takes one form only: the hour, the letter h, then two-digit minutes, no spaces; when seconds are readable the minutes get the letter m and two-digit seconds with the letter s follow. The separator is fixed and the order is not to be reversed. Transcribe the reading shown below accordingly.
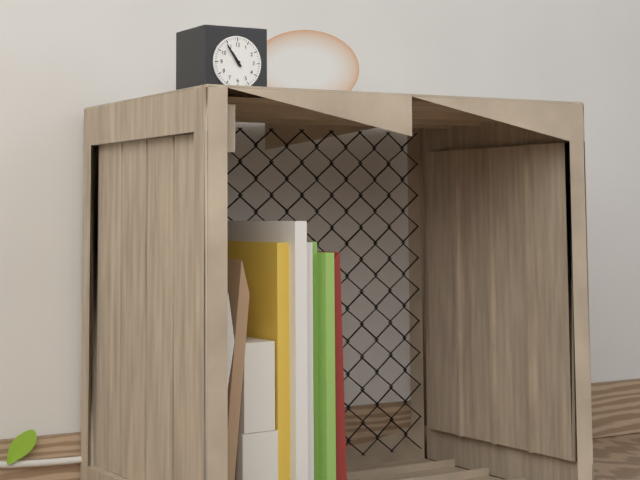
10h54
